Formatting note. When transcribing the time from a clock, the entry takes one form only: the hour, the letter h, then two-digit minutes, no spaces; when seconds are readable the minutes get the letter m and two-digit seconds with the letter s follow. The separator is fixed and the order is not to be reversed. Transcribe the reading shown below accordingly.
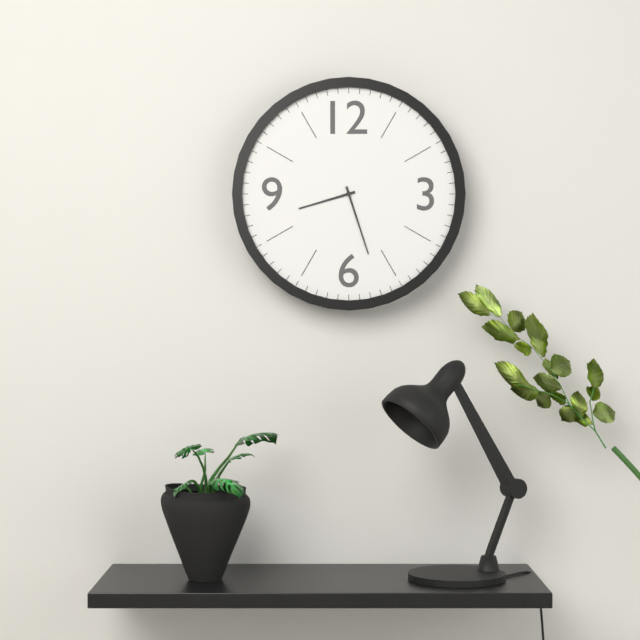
8h27
